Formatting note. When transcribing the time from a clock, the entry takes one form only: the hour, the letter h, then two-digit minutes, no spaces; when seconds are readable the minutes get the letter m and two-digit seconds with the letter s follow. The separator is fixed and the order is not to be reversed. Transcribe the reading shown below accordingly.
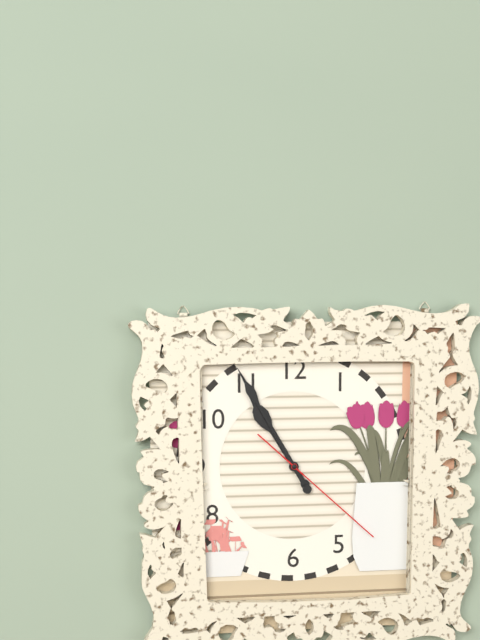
10h55m22s
